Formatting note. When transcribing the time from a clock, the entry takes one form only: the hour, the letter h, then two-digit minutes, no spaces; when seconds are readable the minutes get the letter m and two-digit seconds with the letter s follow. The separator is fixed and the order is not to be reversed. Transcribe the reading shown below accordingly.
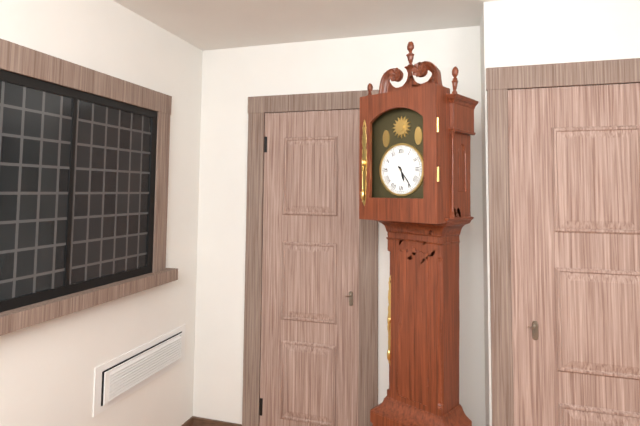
5h24
